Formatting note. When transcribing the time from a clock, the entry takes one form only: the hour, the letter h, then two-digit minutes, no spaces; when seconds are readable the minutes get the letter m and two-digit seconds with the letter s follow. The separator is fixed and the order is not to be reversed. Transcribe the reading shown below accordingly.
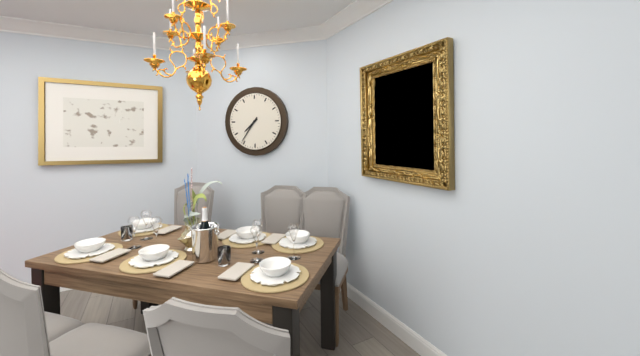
7h36
